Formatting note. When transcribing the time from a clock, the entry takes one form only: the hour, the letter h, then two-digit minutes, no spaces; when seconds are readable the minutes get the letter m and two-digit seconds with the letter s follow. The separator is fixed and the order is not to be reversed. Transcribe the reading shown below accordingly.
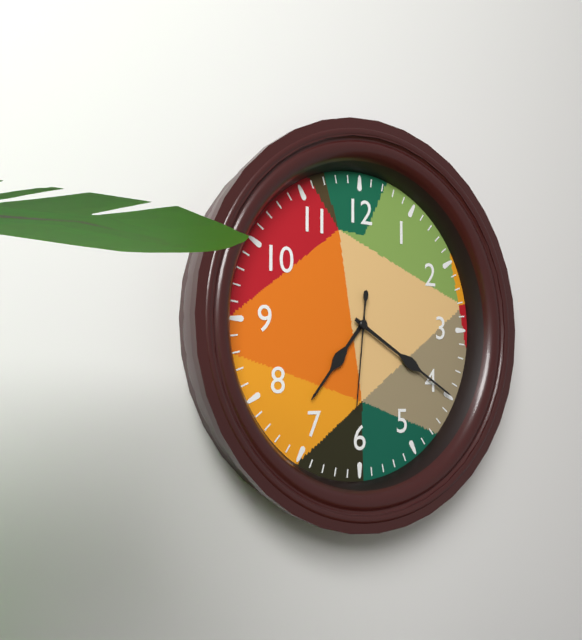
7h20m31s
